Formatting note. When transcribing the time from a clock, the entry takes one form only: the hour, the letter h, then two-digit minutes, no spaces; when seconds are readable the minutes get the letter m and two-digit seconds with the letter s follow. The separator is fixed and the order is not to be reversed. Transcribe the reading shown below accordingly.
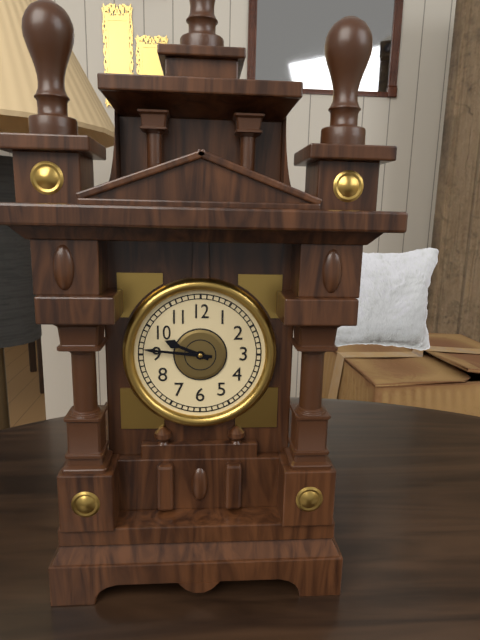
9h46
